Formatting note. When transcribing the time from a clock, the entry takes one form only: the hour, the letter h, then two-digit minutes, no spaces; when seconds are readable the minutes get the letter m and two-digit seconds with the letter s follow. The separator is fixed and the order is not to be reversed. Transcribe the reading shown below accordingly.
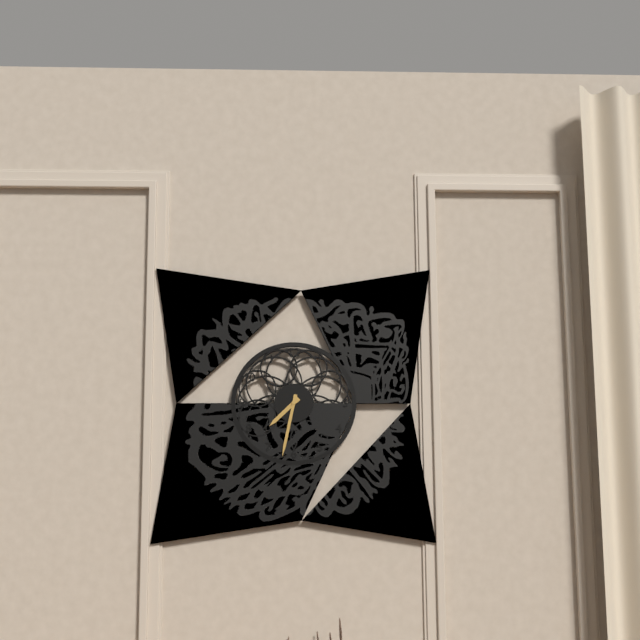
7h32
